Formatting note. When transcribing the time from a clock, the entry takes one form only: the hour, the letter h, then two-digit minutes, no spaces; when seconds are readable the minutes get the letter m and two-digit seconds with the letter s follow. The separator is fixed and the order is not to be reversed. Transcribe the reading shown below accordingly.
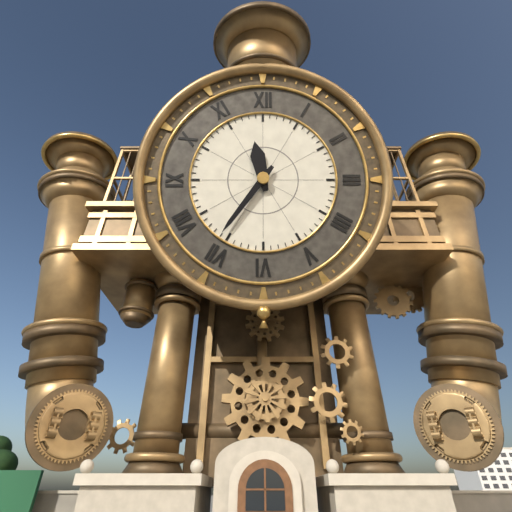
11h36
